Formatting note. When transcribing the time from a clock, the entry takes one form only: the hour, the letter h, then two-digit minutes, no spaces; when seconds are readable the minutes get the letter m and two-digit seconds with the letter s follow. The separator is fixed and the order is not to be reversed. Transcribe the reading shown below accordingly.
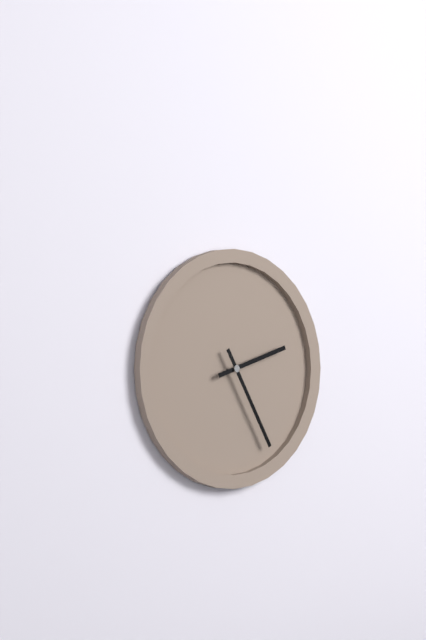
2h25
